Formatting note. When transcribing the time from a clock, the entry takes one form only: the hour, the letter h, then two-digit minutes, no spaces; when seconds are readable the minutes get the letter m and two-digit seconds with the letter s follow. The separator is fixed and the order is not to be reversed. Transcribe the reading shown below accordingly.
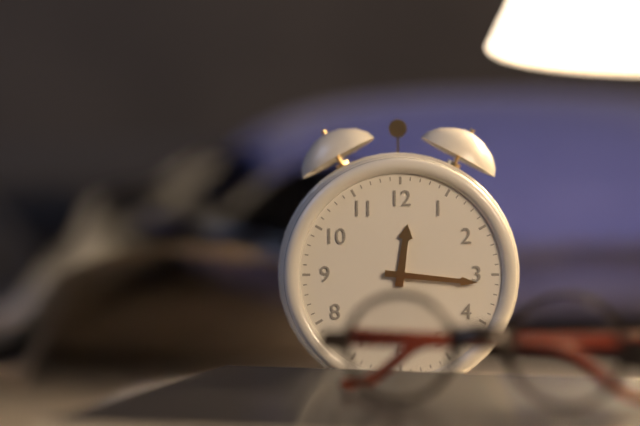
12h16
